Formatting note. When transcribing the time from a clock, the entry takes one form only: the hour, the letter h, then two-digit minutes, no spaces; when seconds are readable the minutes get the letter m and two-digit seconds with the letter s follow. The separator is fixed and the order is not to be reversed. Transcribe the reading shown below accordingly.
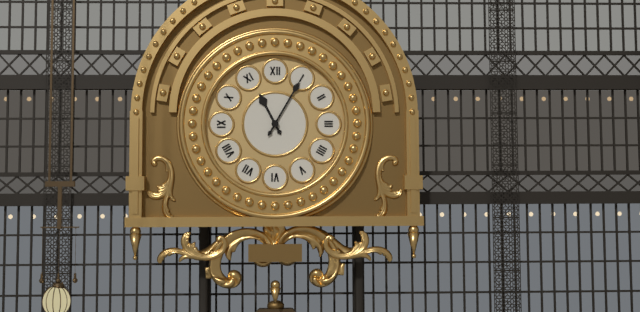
11h05
